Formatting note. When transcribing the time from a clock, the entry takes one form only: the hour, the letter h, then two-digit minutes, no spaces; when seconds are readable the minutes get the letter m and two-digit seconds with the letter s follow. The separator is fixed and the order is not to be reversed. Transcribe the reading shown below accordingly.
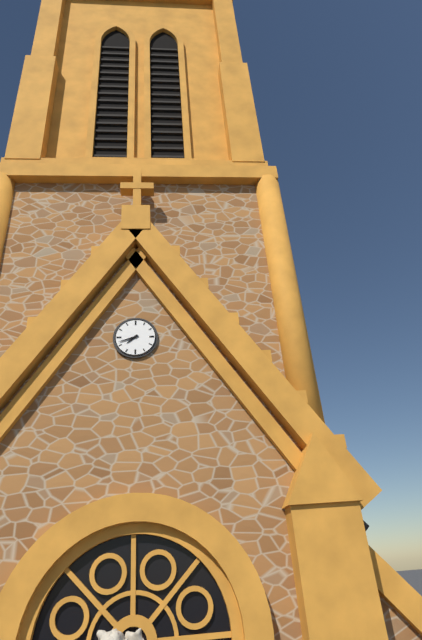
7h42
